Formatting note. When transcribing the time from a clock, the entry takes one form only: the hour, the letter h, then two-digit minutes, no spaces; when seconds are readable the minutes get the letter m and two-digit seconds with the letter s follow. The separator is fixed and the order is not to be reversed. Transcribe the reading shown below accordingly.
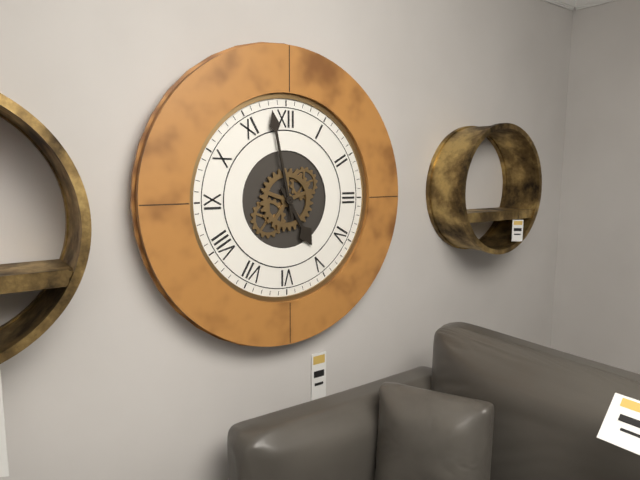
4h58
